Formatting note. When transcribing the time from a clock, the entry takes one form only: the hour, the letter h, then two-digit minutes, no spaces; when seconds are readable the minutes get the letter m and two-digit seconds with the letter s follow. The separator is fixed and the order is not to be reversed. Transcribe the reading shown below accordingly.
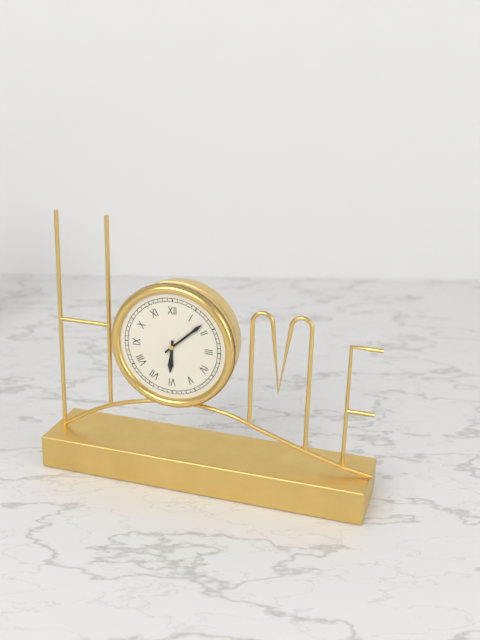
6h08
